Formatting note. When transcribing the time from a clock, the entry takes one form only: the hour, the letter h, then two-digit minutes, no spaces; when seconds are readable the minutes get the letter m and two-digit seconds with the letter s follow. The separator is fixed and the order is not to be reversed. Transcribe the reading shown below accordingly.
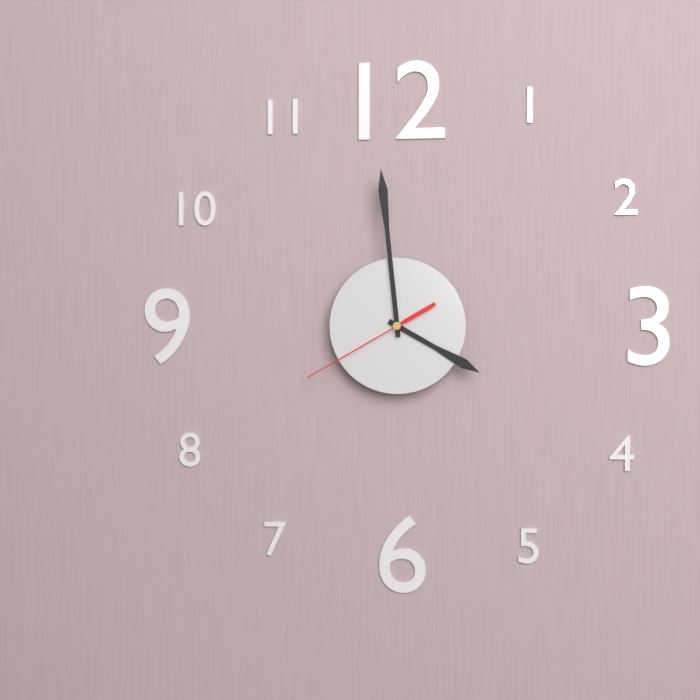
3h59m40s
